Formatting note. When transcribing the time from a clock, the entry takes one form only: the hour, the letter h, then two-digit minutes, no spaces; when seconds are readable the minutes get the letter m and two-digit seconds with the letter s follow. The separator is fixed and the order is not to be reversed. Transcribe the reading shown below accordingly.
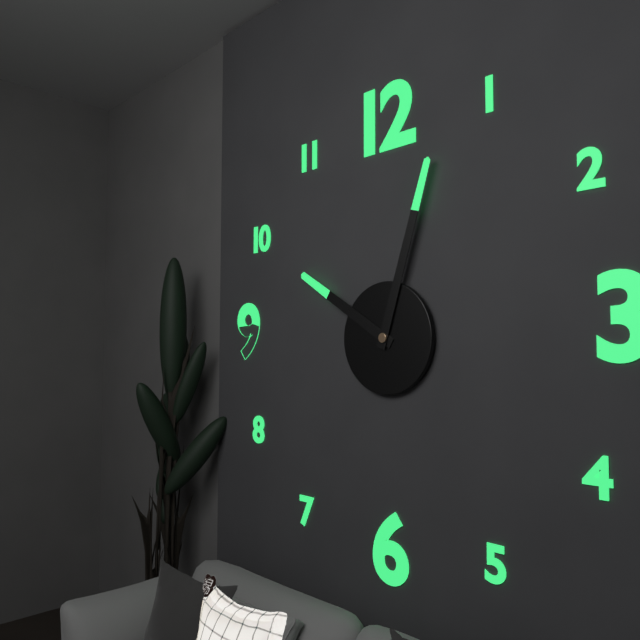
10h03
